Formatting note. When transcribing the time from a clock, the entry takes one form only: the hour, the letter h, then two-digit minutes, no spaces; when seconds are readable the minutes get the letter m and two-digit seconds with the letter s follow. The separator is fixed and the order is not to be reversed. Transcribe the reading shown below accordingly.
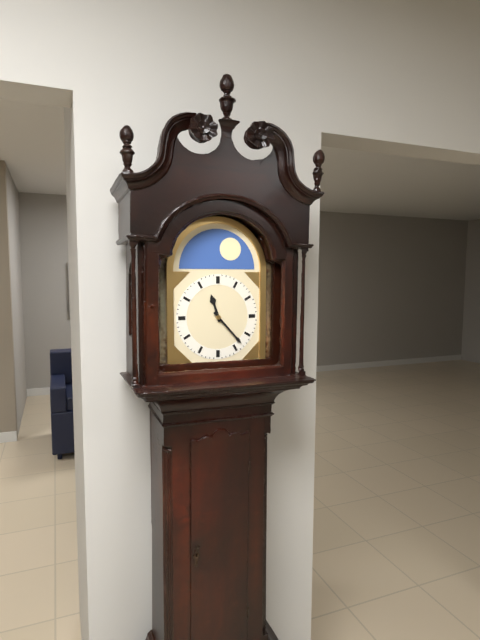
11h23
